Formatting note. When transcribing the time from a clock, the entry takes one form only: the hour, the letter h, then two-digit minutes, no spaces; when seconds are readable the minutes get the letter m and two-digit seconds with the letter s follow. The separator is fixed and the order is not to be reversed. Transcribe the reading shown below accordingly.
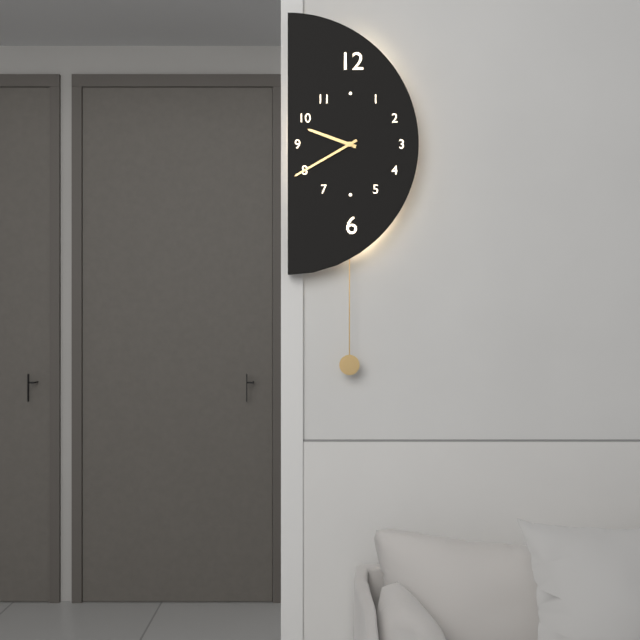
9h40
